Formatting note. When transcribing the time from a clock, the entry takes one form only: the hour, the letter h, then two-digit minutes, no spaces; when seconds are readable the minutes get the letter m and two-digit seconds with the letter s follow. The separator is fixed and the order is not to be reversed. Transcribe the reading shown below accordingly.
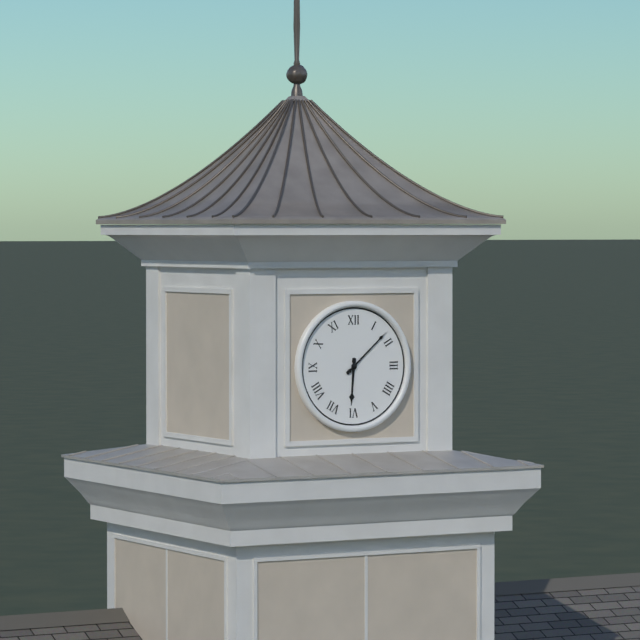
6h08
